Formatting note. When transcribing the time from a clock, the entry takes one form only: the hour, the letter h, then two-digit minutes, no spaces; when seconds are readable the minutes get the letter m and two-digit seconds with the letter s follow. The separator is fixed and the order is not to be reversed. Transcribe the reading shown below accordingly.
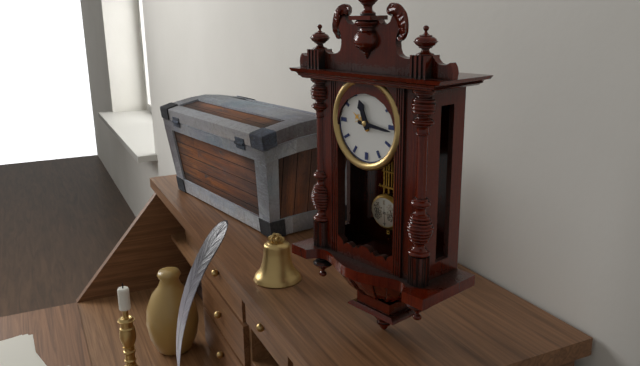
11h16
